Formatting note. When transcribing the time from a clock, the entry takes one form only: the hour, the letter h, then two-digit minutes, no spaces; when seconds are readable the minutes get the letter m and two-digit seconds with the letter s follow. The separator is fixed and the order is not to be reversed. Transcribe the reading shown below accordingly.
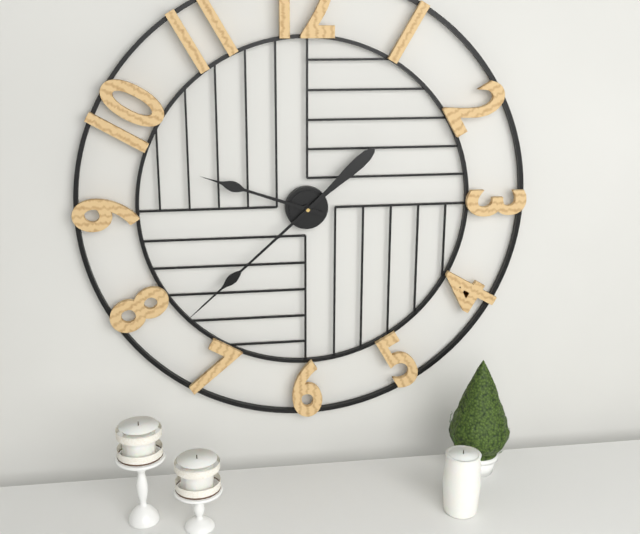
9h38
